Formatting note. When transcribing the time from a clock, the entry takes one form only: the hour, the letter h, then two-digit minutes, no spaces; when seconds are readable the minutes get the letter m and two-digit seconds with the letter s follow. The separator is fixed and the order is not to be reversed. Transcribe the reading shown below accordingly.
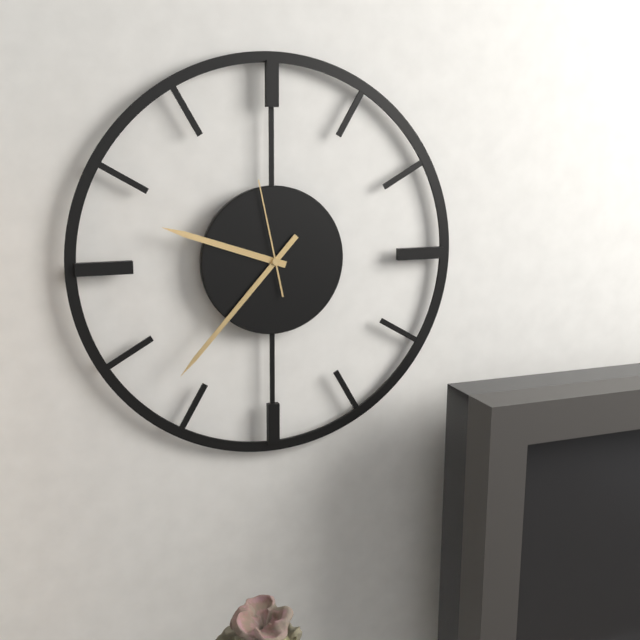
9h37m58s
